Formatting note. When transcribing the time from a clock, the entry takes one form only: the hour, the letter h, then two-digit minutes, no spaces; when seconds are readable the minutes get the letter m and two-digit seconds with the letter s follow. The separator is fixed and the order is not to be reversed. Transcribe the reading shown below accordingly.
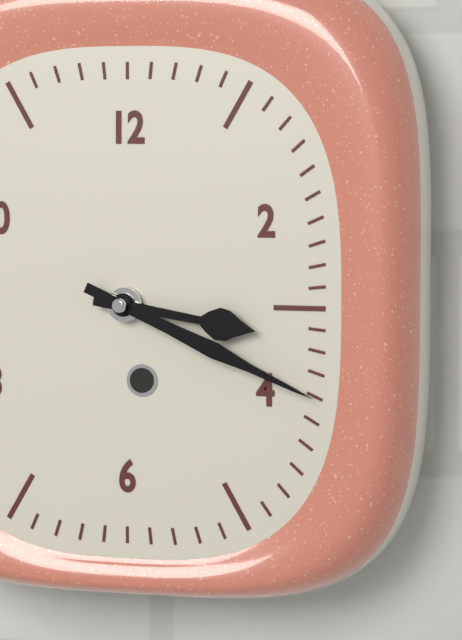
3h19
